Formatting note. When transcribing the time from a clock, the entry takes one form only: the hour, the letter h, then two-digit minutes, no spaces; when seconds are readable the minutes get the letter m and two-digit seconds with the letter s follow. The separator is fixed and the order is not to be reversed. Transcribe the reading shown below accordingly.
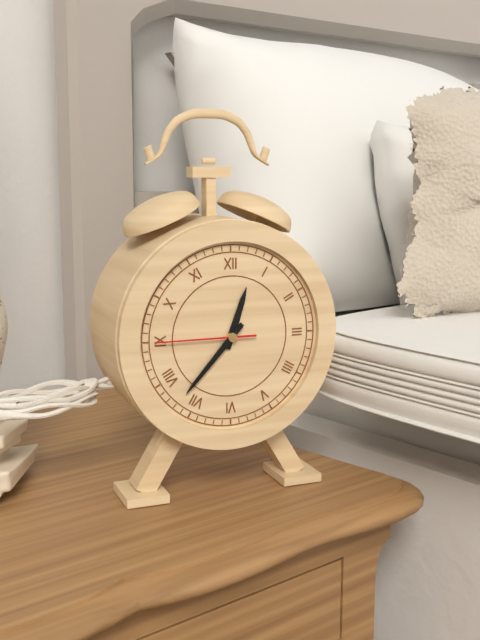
12h37m45s
